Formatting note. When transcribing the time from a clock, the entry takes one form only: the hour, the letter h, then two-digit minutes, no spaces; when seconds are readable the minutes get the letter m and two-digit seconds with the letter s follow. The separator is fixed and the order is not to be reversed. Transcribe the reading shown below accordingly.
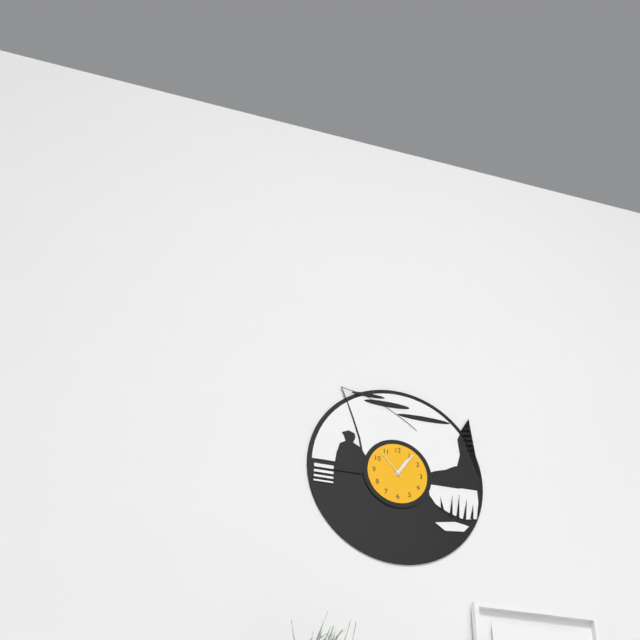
1h06
